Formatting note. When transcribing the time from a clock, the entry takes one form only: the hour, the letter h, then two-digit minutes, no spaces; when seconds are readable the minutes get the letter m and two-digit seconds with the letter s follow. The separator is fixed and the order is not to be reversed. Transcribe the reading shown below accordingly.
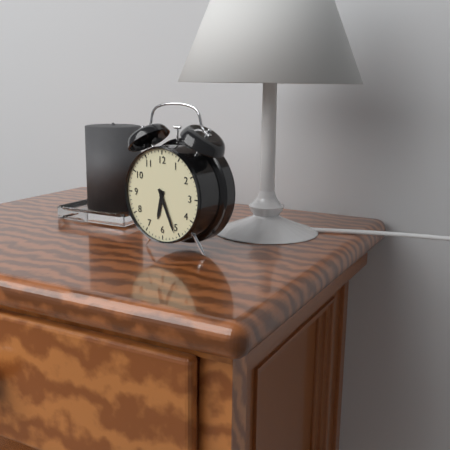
6h26
